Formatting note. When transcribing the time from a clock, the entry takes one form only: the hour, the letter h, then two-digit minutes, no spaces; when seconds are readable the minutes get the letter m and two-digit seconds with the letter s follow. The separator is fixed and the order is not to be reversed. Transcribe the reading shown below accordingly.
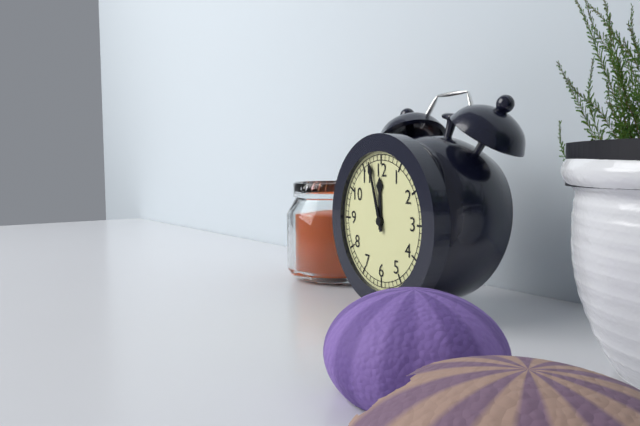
11h57
